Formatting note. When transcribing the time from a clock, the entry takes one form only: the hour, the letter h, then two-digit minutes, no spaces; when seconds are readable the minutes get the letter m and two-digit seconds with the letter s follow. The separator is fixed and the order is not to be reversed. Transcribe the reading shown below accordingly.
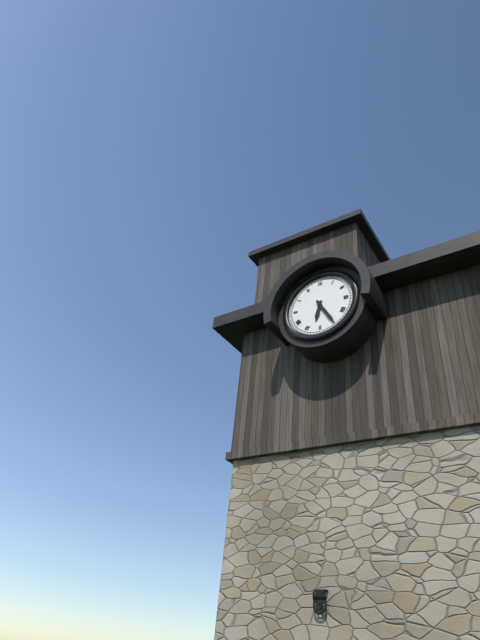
6h25
